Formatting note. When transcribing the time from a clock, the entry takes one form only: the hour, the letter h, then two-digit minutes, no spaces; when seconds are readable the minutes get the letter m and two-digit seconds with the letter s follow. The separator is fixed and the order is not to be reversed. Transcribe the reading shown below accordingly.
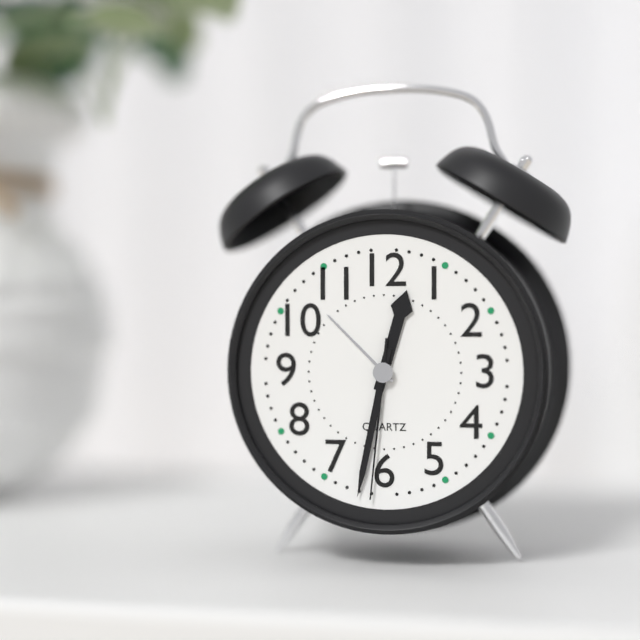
12h32m31s
